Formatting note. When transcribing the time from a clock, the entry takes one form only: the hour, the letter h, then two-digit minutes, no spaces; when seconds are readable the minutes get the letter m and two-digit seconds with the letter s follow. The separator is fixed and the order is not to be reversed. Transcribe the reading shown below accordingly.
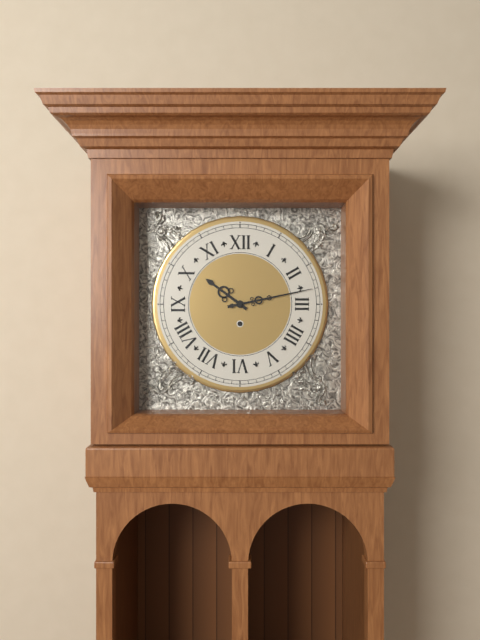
10h13
